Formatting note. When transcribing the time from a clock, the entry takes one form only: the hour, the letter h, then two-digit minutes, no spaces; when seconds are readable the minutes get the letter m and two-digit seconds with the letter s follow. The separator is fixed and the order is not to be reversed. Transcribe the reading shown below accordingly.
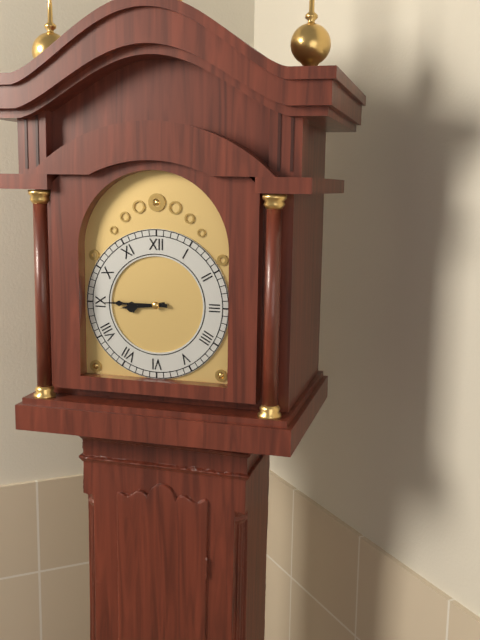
8h45
